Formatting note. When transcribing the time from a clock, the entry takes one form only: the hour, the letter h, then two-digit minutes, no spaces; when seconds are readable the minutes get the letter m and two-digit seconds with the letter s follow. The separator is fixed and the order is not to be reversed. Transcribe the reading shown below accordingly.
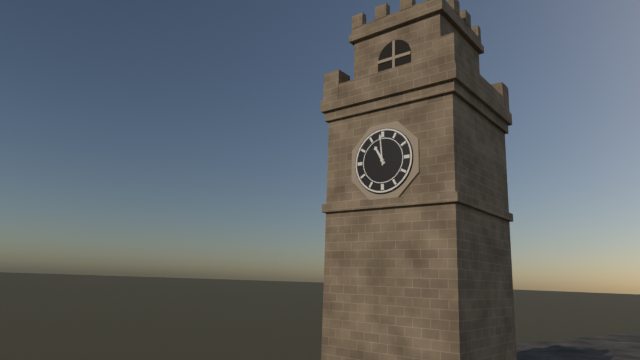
10h59
